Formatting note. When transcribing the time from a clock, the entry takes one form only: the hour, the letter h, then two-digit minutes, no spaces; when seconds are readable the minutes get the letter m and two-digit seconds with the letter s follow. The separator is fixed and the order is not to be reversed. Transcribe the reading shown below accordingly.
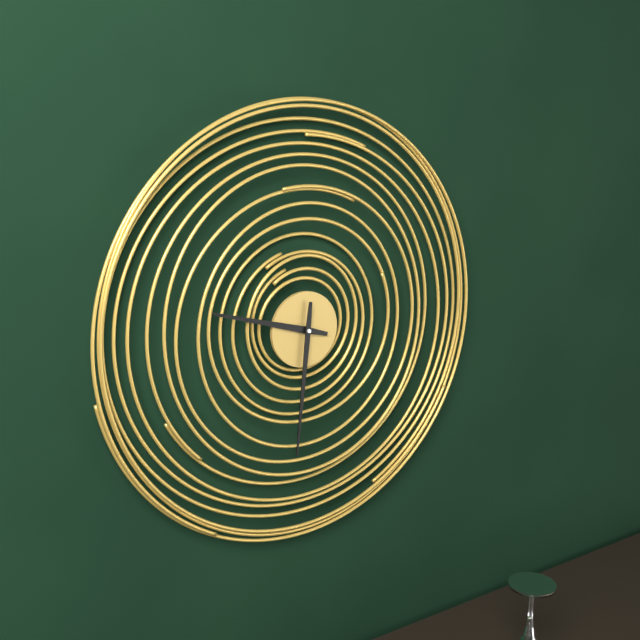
9h31
